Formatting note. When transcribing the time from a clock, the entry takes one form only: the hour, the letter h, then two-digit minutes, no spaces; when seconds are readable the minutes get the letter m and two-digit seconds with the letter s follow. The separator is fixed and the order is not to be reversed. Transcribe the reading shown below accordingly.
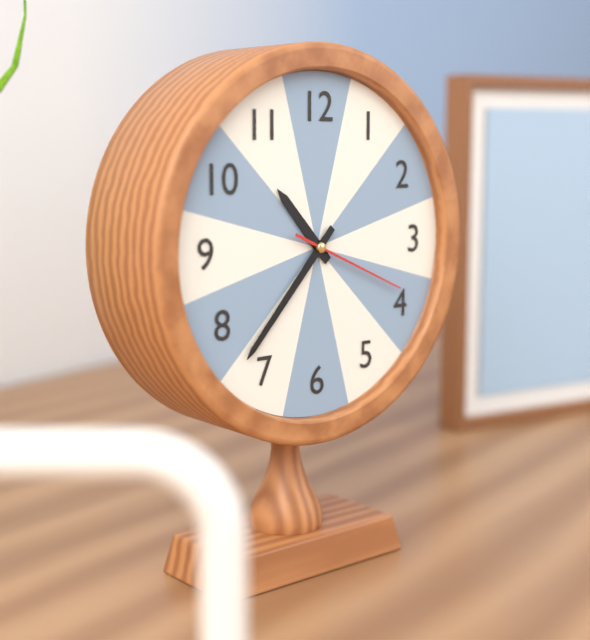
10h37m19s
